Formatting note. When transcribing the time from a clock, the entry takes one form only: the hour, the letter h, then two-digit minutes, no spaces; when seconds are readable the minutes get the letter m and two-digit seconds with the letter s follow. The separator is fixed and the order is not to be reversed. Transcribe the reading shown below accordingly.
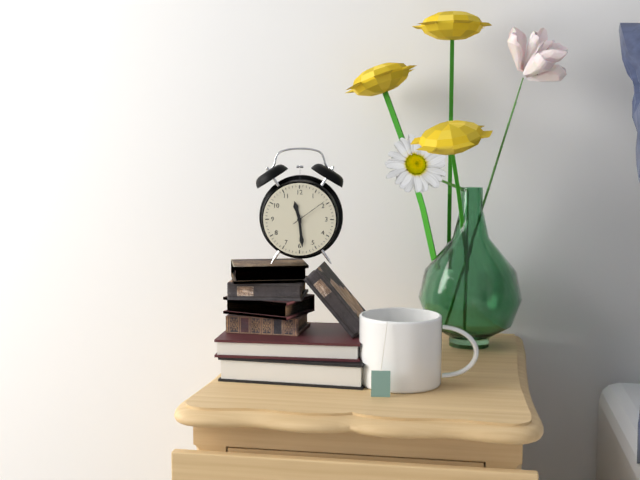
11h29
